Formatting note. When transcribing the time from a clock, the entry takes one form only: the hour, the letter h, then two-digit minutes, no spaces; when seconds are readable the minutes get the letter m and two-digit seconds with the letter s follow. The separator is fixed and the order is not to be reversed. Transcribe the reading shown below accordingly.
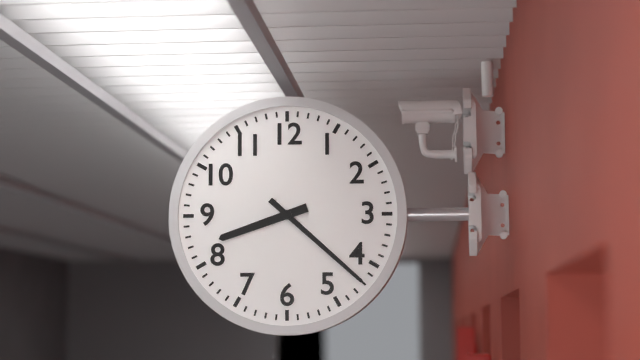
8h22
